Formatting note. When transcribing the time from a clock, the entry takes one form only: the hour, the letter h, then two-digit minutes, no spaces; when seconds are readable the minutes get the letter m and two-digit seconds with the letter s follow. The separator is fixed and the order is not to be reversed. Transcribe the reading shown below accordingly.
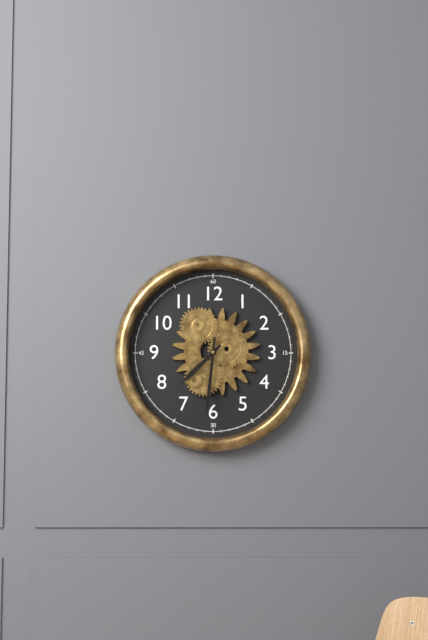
7h31
